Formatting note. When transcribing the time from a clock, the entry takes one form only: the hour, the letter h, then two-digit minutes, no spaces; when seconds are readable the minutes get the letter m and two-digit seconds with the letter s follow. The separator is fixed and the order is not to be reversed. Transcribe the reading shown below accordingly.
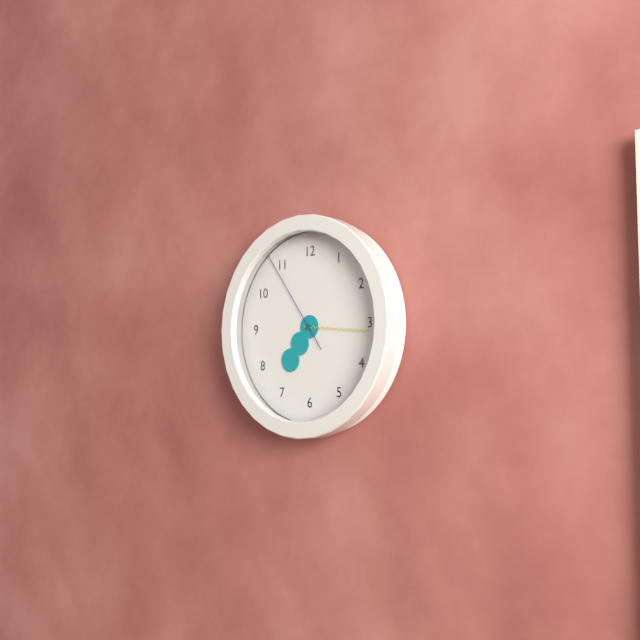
7h16m54s
